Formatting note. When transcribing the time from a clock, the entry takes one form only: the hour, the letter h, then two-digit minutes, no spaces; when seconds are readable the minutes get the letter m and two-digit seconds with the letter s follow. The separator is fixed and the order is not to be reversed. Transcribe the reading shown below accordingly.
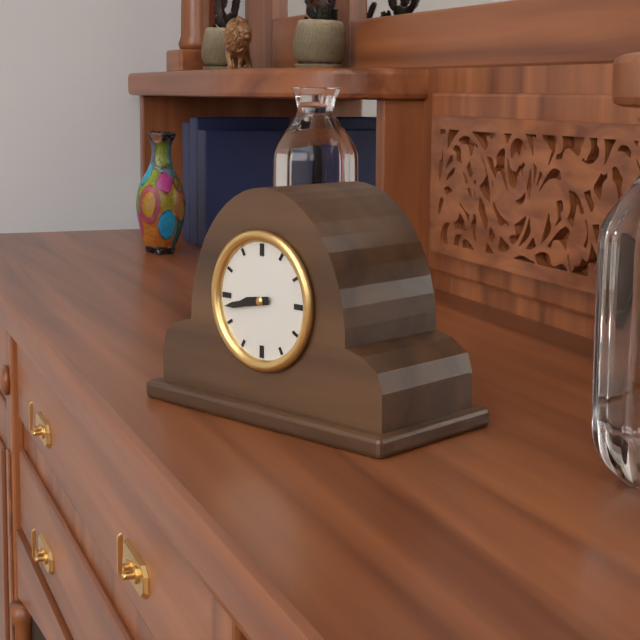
8h43
